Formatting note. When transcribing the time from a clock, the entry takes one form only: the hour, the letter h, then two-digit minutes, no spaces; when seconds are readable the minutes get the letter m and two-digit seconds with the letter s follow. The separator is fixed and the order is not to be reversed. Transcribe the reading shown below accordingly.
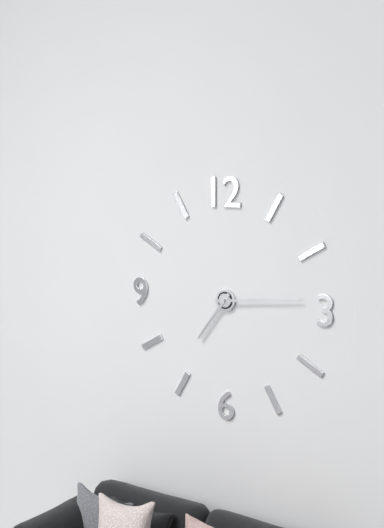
7h14
